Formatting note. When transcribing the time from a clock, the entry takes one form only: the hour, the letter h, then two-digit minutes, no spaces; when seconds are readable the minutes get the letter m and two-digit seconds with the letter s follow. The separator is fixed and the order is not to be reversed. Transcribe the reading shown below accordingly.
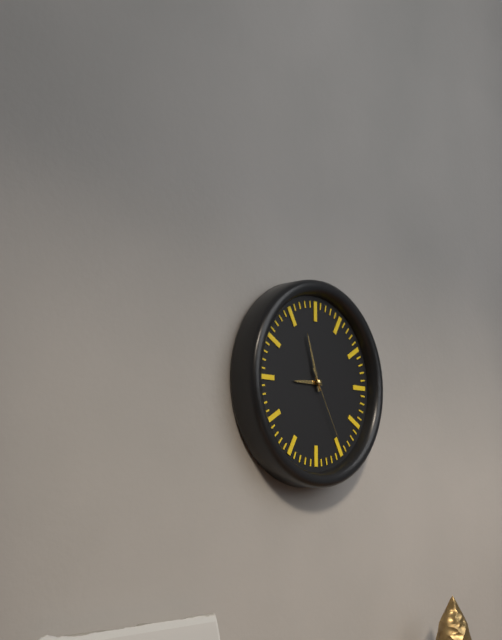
8h57m25s
